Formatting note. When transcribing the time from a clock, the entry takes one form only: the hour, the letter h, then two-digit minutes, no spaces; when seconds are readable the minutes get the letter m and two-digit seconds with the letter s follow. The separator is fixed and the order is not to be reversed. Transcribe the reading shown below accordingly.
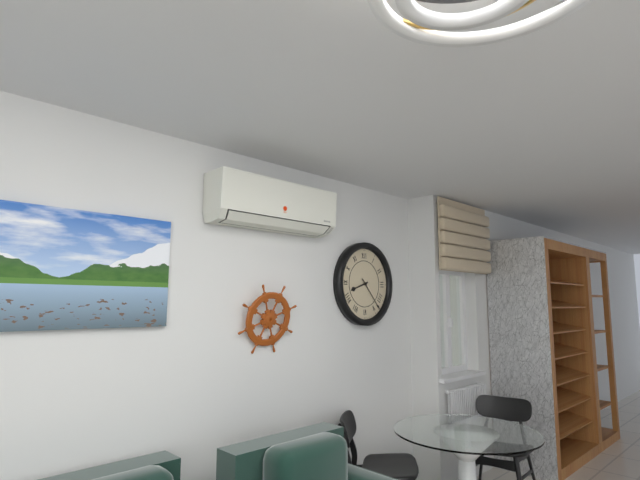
8h23
